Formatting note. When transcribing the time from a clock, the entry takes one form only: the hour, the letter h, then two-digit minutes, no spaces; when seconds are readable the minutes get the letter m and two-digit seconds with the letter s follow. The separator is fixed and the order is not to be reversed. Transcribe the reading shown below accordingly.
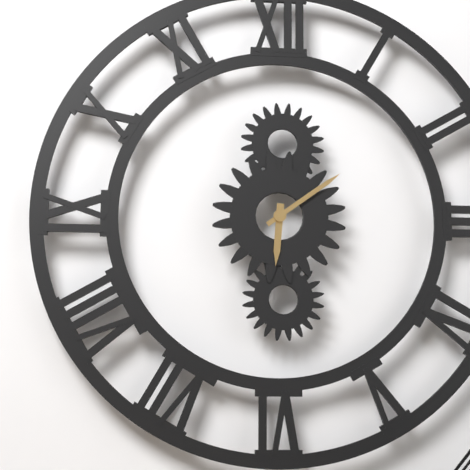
6h09
